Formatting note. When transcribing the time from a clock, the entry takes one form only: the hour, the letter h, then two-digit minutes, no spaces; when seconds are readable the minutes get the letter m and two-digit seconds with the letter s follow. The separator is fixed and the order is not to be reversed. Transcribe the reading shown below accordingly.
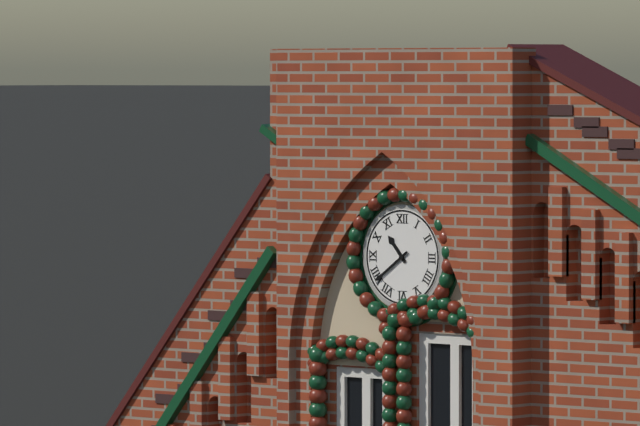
10h39
